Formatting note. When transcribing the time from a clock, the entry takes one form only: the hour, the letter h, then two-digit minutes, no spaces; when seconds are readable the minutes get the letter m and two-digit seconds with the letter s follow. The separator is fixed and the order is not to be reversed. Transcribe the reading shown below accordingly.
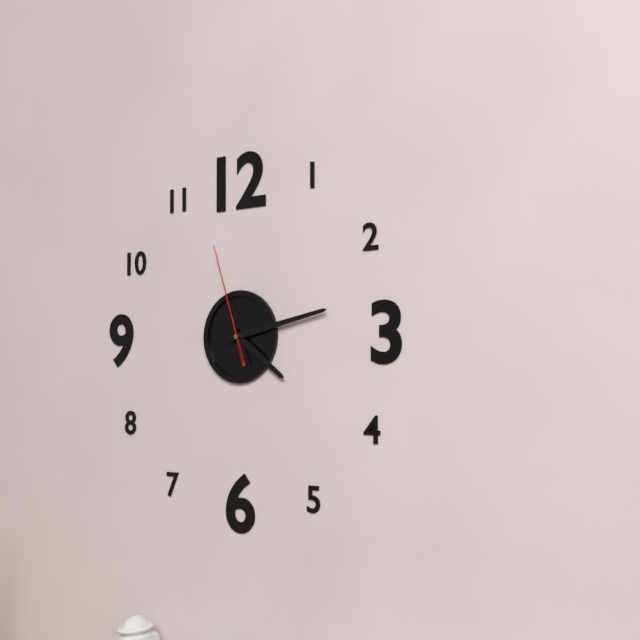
4h13m57s
